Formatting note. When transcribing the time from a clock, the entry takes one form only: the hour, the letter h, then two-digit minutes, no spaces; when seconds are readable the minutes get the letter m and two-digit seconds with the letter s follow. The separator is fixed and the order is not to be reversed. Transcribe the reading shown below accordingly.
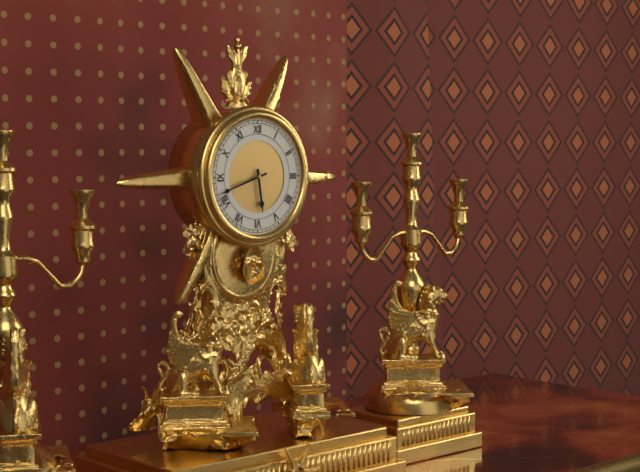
5h42
